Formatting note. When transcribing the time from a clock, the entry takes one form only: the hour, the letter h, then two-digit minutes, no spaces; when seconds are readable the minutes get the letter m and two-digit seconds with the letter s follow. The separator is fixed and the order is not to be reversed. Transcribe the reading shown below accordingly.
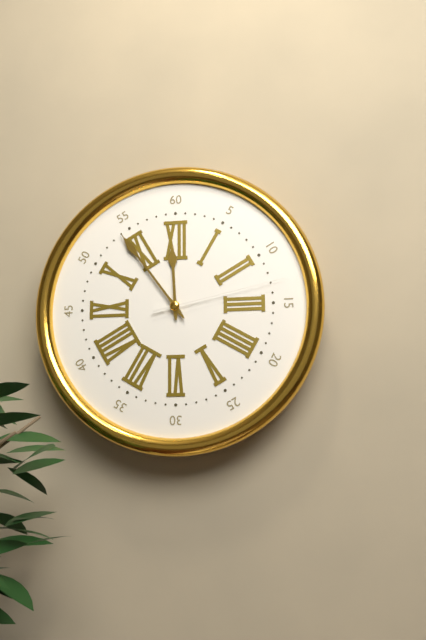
11h54m13s
